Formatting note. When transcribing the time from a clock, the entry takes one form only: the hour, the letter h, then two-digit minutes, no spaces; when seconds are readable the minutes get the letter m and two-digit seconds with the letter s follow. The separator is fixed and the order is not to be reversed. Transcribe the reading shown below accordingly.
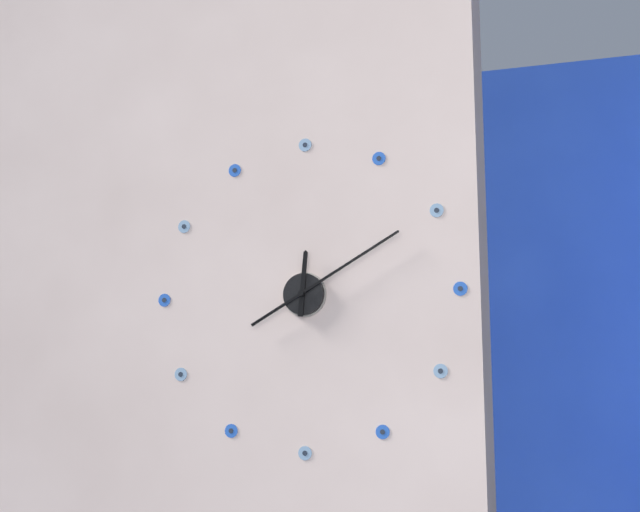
12h10
